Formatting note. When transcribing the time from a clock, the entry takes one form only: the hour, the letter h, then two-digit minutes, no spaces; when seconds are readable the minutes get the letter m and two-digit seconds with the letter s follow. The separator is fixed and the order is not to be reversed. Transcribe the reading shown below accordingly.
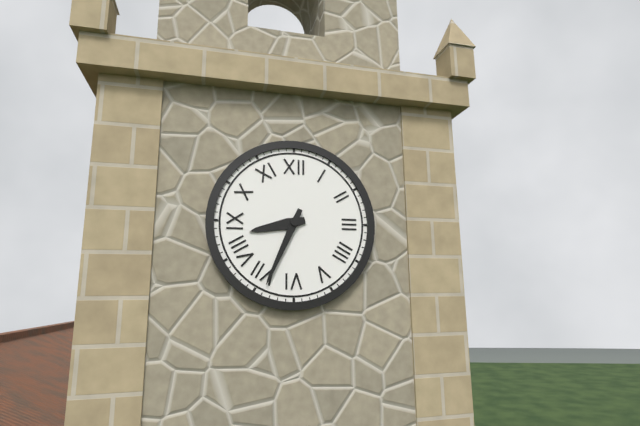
8h34
